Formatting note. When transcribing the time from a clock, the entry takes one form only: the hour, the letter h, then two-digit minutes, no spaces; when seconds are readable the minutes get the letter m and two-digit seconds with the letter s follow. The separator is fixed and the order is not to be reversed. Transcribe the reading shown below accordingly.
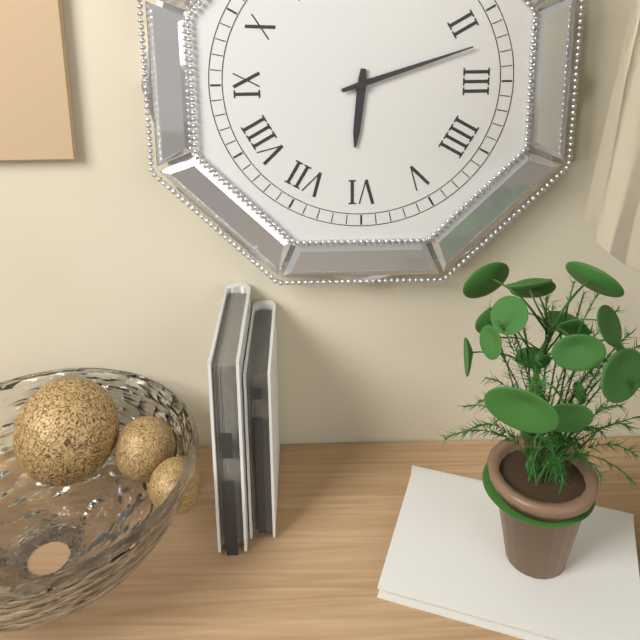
6h12
